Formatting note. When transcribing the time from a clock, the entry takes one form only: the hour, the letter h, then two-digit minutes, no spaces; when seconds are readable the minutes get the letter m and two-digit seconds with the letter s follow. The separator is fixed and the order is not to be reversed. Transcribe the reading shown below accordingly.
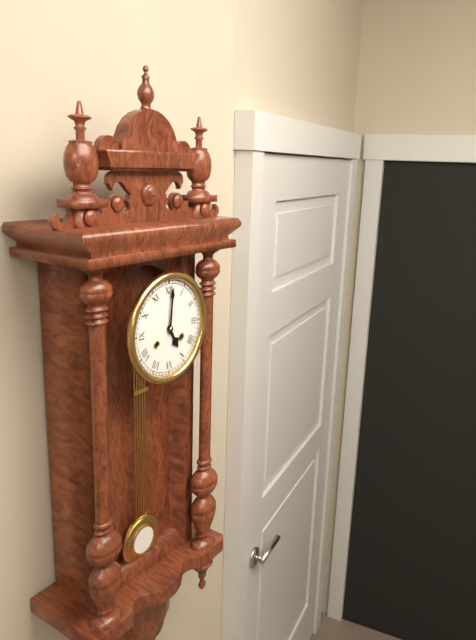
5h01
